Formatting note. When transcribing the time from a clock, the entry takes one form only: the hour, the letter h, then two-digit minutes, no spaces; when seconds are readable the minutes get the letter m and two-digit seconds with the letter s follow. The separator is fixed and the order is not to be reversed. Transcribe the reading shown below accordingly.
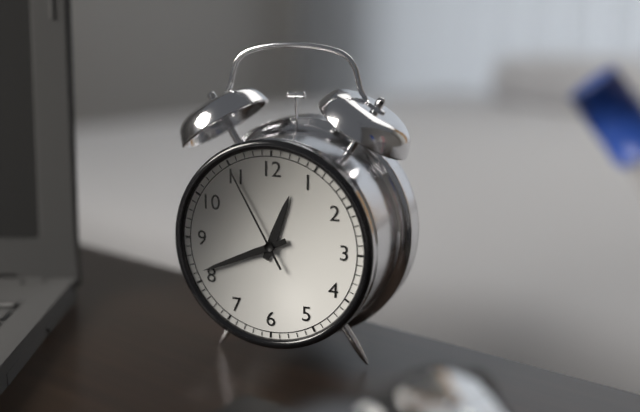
12h41m55s
